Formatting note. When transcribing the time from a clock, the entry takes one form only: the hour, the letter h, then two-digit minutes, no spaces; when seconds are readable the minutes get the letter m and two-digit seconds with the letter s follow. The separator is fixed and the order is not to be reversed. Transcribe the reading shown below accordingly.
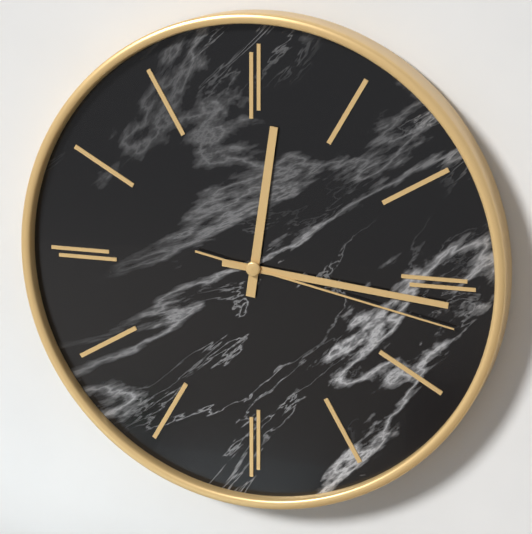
12h16m17s
